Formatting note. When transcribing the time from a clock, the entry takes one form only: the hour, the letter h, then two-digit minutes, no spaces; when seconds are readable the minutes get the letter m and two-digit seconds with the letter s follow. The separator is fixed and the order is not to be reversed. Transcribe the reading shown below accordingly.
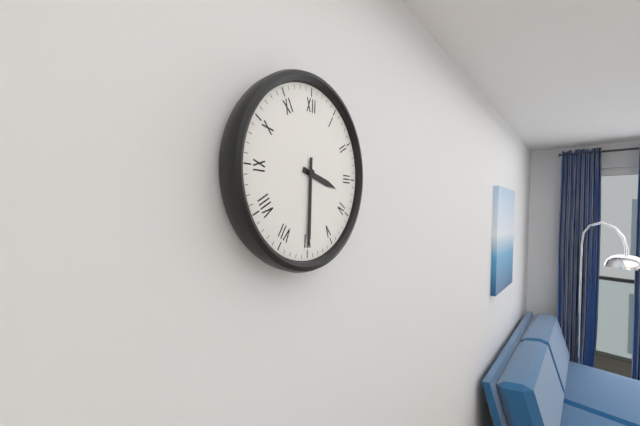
3h30
